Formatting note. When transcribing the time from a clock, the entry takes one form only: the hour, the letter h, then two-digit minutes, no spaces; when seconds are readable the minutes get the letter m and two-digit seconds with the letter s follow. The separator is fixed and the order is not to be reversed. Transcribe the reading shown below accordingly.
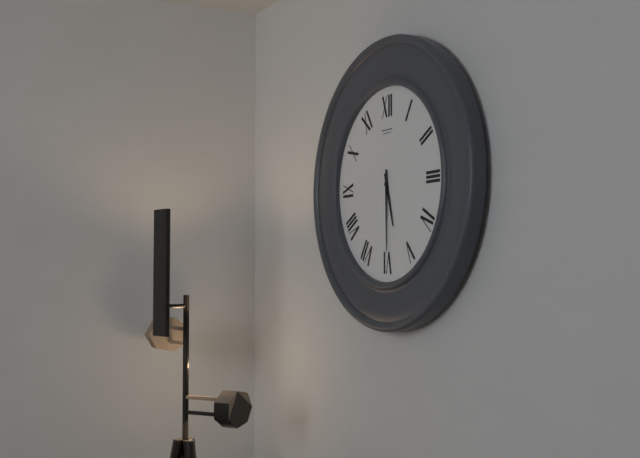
5h30
